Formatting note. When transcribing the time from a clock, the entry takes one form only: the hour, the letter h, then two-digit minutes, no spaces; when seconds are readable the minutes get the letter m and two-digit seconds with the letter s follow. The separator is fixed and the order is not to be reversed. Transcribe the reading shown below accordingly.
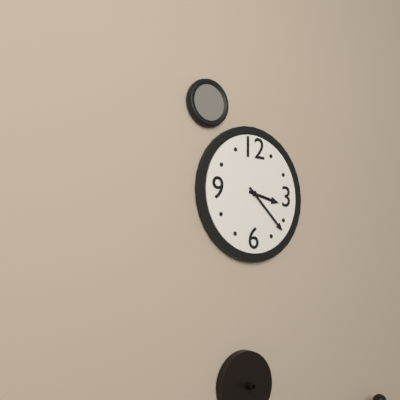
3h22
